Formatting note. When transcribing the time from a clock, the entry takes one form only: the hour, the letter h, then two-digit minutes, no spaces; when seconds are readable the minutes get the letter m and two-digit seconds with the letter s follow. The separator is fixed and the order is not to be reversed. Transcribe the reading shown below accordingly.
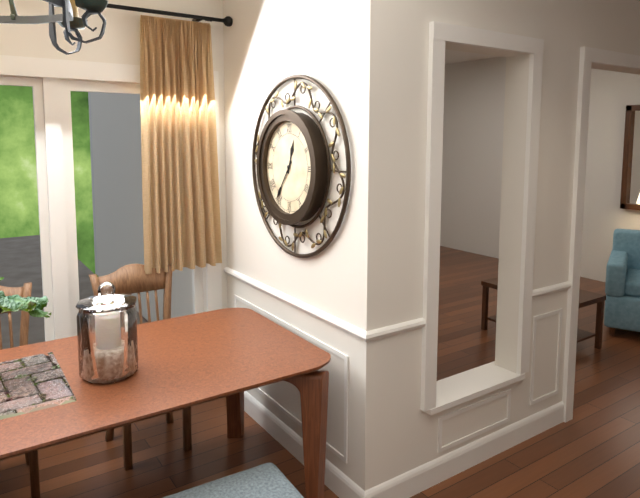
12h36
